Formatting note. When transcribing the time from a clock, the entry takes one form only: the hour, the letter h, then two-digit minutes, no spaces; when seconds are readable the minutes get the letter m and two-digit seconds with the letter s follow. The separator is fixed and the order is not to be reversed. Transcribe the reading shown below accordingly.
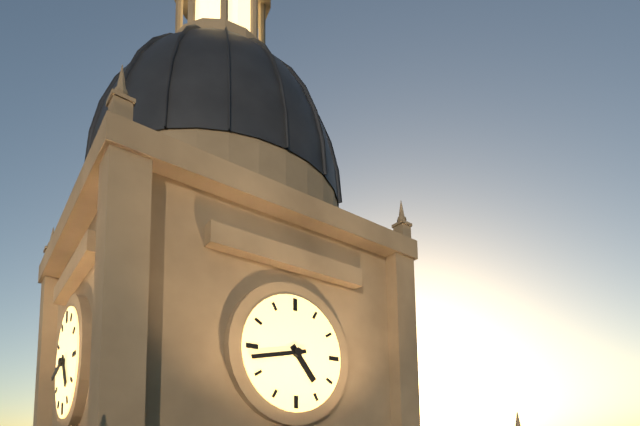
4h43
